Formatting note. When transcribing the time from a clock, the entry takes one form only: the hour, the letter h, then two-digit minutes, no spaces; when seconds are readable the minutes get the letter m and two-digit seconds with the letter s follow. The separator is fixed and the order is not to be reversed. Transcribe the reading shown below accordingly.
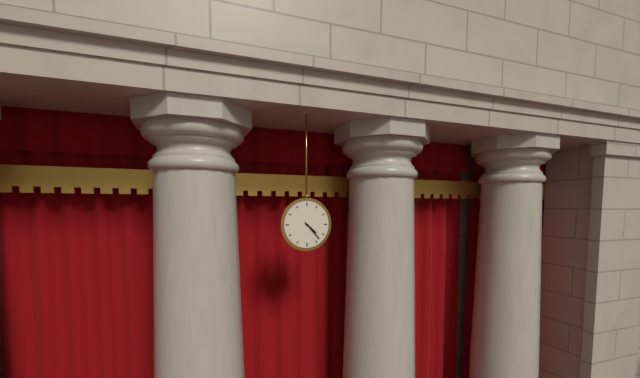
4h23
